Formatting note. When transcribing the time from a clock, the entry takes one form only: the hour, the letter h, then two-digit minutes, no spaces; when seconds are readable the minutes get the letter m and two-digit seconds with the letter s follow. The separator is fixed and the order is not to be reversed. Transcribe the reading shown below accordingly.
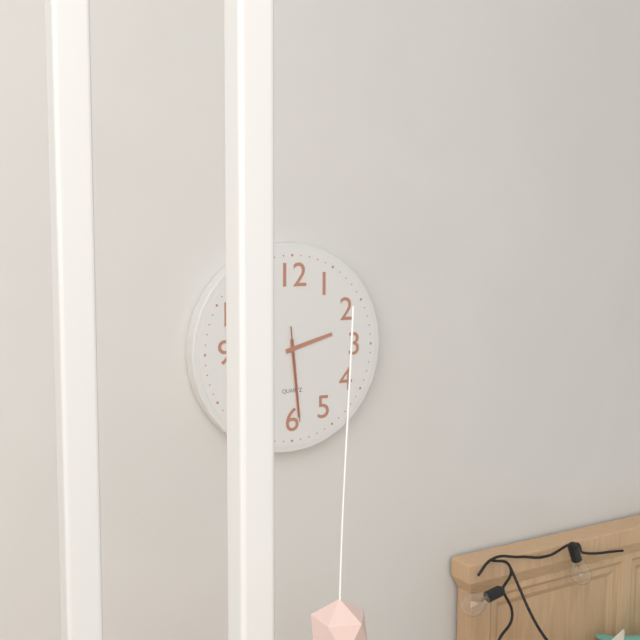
2h29m29s
